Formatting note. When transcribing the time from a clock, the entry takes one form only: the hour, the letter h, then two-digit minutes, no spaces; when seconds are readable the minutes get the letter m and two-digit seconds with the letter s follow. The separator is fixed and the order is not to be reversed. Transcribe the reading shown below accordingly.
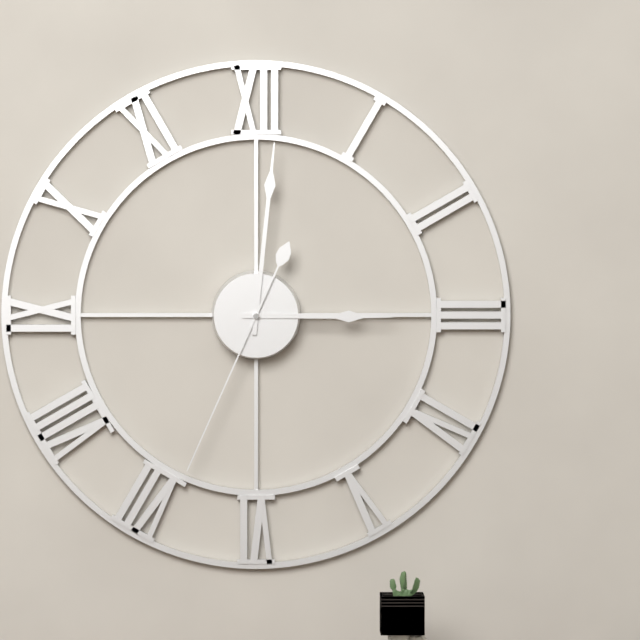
3h01m34s
